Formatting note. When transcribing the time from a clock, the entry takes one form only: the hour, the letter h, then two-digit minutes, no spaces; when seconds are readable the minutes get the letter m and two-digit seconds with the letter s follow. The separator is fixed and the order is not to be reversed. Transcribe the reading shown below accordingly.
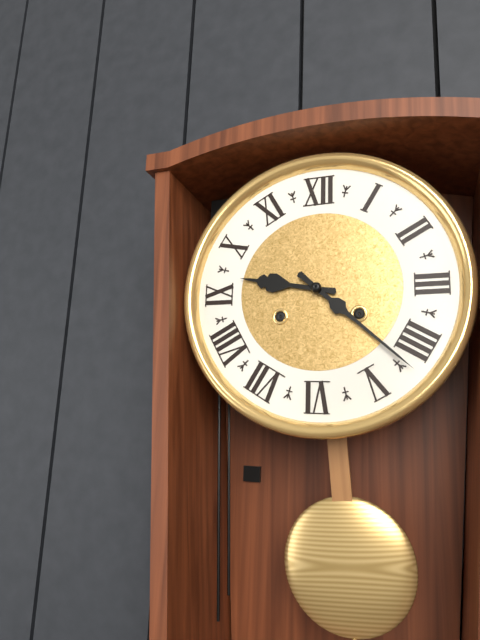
9h22
